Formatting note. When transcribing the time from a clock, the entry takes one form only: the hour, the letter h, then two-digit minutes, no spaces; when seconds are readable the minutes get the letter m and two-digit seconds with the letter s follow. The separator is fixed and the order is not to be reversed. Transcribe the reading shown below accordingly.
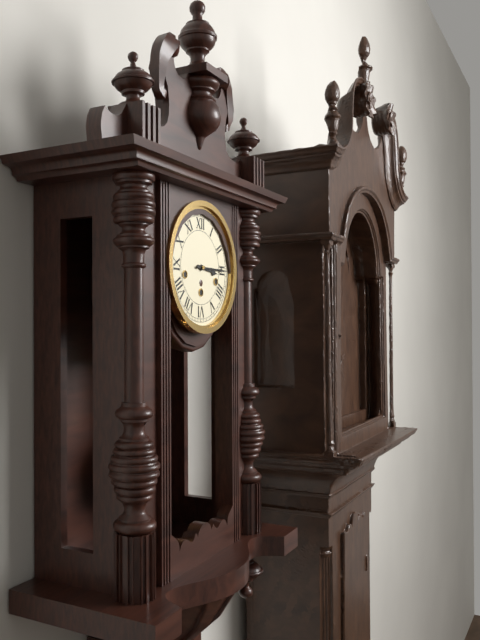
3h15
